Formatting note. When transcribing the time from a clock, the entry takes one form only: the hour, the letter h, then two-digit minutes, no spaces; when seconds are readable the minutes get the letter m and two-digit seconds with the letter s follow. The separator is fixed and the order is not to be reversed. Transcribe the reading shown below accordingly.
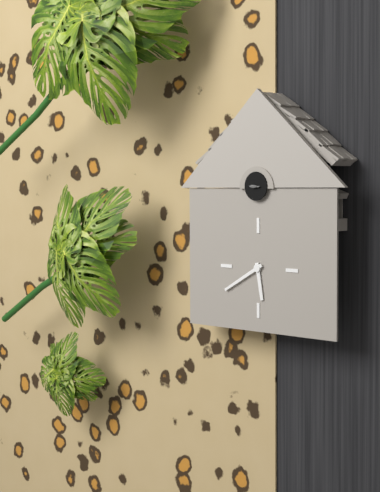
5h40
